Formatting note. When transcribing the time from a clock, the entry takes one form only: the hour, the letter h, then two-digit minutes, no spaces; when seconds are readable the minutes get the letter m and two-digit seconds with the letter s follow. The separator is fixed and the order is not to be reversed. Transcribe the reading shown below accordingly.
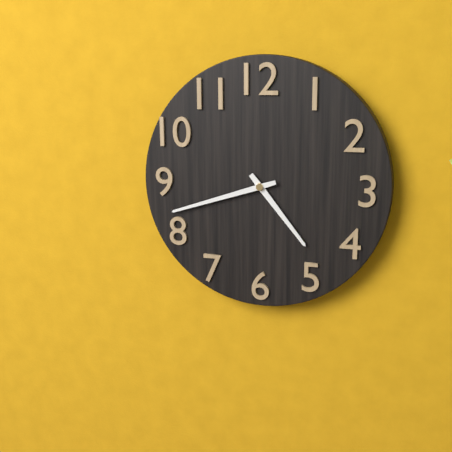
4h42
